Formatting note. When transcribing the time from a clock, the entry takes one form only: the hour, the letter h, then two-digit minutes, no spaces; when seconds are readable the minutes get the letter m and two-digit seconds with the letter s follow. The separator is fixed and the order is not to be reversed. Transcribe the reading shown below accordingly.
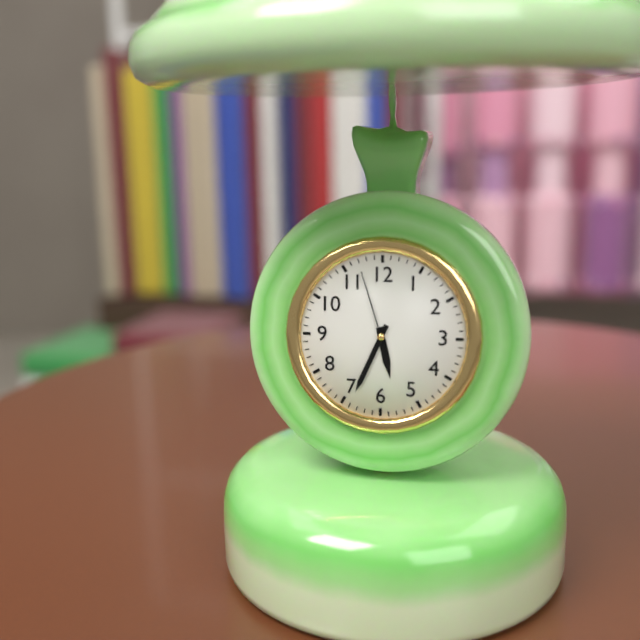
5h34m57s
